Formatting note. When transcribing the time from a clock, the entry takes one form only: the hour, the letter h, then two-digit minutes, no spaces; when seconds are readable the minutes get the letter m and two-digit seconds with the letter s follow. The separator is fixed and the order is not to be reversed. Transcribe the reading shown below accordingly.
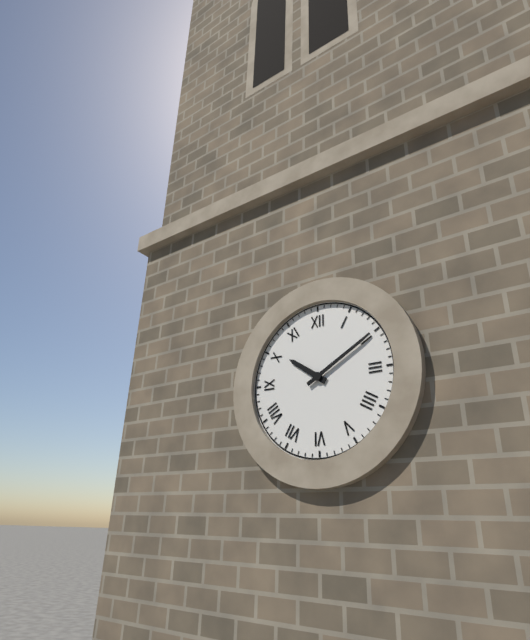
10h10
